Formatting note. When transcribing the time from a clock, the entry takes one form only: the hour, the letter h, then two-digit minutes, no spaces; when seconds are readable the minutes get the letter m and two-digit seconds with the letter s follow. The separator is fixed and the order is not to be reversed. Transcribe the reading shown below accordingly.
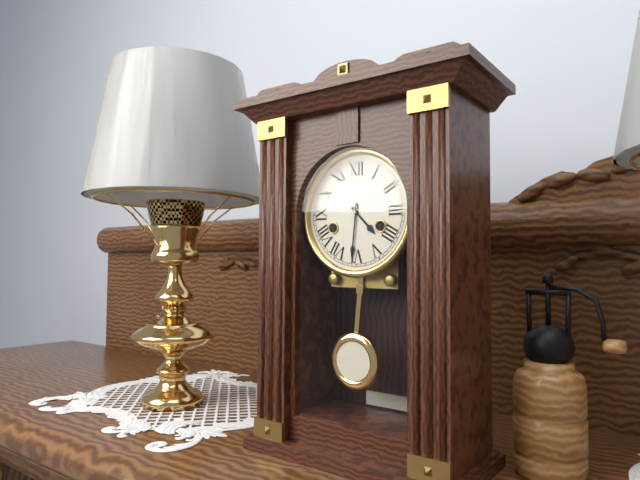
4h31
